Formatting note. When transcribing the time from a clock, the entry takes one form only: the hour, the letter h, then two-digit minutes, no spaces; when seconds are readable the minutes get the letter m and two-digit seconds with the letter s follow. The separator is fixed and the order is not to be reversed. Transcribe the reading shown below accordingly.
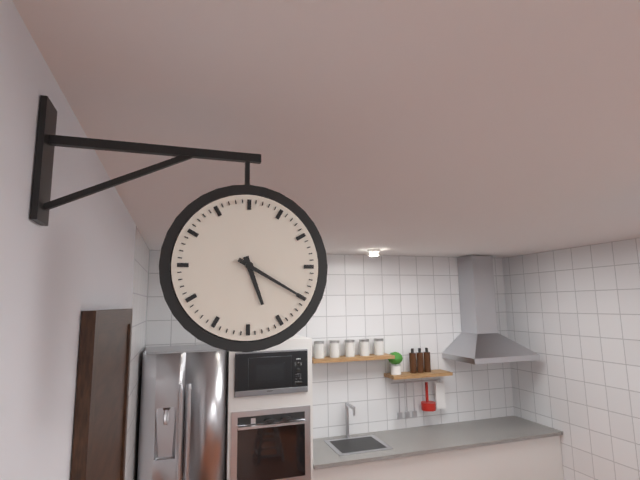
5h20
